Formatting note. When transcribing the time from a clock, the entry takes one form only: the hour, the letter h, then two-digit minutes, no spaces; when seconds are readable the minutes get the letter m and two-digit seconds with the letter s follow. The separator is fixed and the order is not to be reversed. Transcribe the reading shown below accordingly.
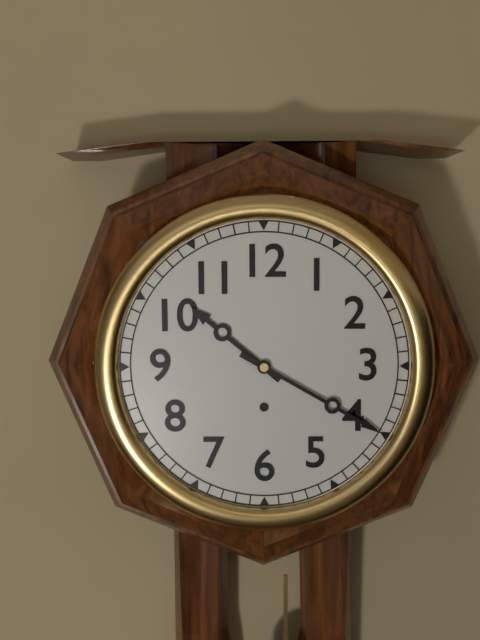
10h20
